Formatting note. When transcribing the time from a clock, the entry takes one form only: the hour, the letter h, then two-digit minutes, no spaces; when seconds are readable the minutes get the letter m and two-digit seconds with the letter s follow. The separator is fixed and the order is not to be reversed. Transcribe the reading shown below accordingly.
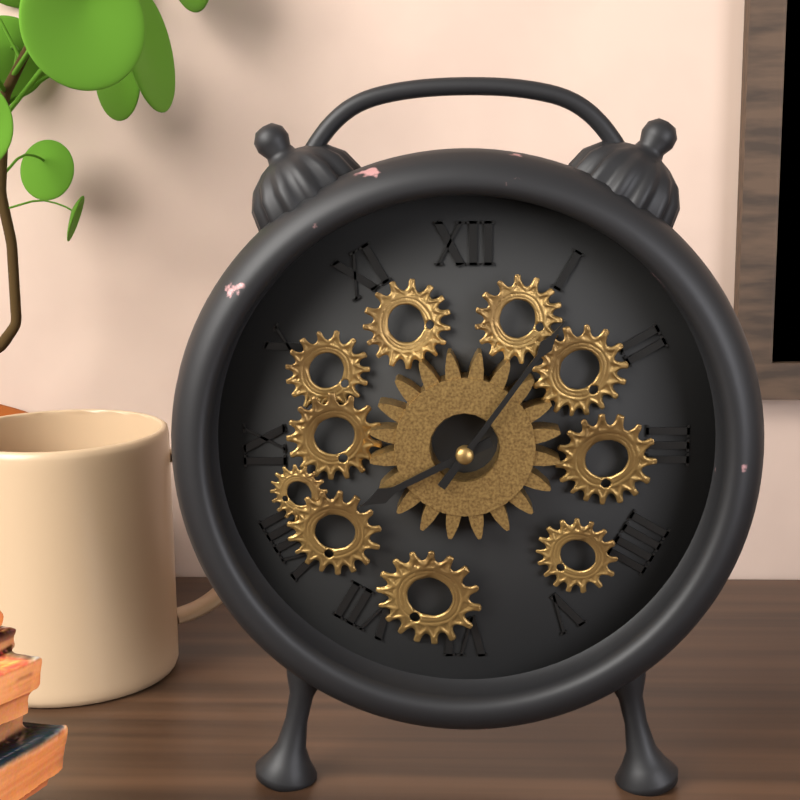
8h06
